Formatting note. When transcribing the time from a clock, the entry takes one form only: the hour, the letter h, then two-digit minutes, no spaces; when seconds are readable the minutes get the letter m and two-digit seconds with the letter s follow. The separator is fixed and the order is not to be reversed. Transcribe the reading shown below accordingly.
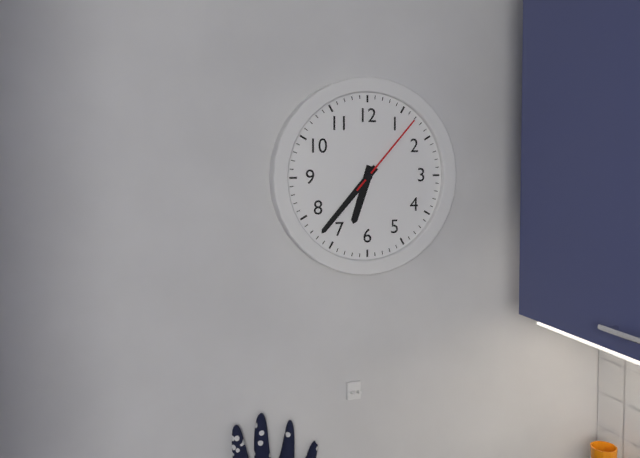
6h37m07s
